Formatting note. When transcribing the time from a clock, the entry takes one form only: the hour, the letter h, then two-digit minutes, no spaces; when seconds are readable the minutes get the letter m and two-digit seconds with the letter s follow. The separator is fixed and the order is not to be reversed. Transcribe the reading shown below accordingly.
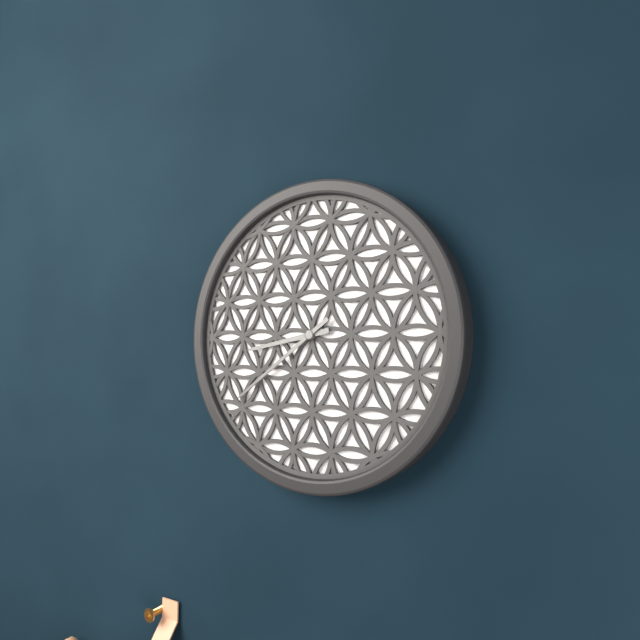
8h39
